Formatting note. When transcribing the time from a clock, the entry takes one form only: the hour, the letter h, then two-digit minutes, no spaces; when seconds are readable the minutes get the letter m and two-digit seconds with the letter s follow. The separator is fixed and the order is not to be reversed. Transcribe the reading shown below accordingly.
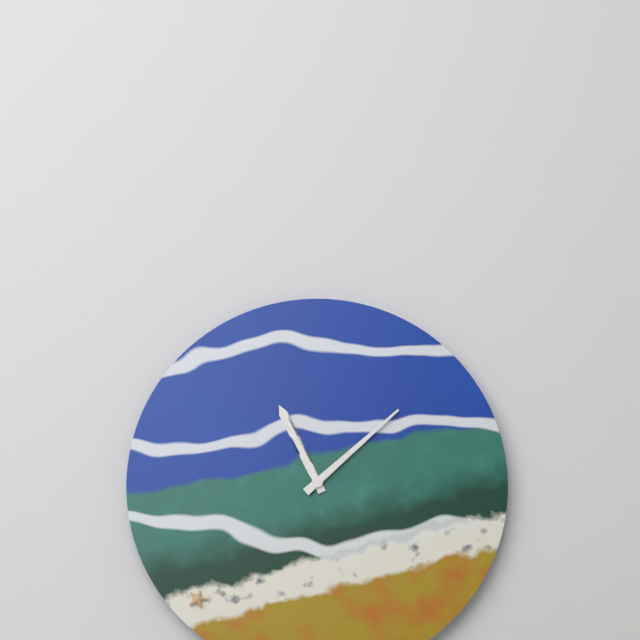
11h08
